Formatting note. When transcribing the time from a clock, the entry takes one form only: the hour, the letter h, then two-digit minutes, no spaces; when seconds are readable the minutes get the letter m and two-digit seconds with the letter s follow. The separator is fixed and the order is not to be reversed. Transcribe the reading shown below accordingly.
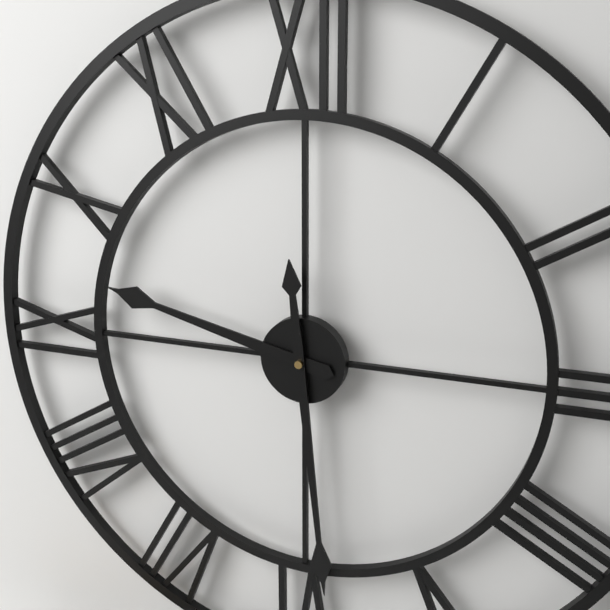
9h29
